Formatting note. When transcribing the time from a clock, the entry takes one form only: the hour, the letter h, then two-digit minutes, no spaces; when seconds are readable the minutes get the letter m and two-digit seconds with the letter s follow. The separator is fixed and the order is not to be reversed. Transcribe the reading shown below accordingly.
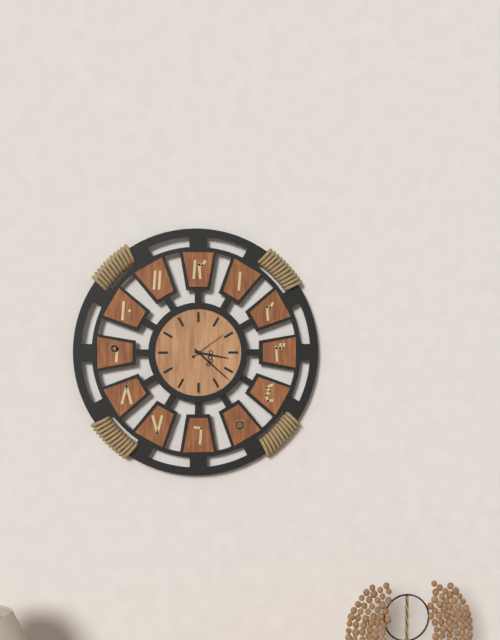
3h22
